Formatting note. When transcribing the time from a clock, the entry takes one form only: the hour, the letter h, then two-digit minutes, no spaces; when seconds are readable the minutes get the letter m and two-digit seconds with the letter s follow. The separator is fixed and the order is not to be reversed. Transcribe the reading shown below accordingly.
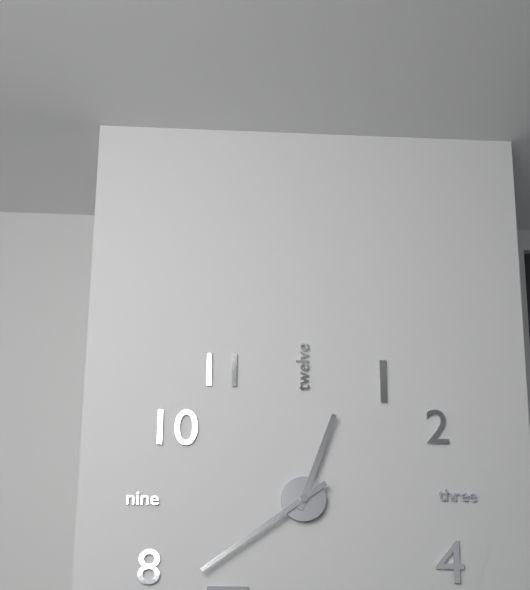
12h39
